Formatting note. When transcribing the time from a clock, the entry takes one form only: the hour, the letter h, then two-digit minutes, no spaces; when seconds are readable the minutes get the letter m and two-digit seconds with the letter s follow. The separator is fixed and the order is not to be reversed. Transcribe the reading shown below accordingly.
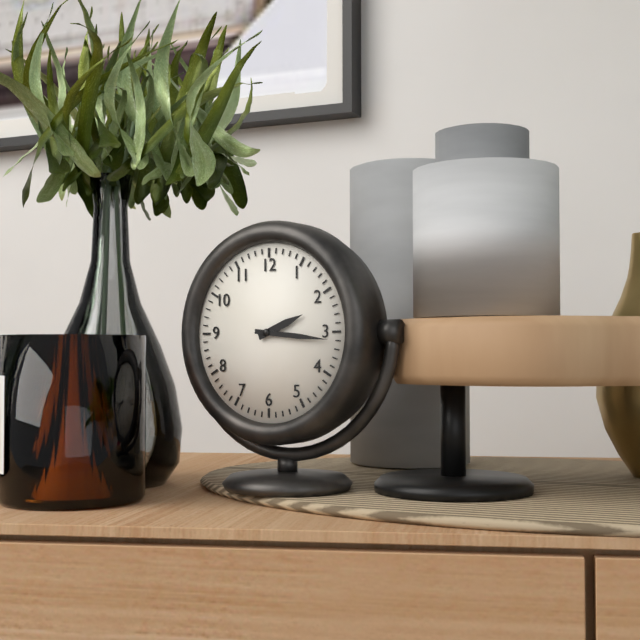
2h16
